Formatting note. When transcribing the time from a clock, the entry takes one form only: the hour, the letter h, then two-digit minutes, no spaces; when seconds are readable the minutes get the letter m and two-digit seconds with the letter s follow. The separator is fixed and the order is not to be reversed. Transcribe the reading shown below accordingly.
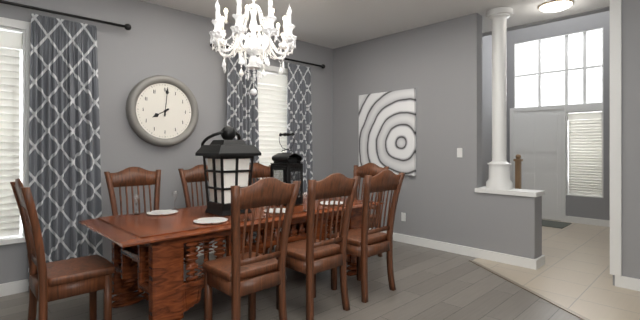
8h01
